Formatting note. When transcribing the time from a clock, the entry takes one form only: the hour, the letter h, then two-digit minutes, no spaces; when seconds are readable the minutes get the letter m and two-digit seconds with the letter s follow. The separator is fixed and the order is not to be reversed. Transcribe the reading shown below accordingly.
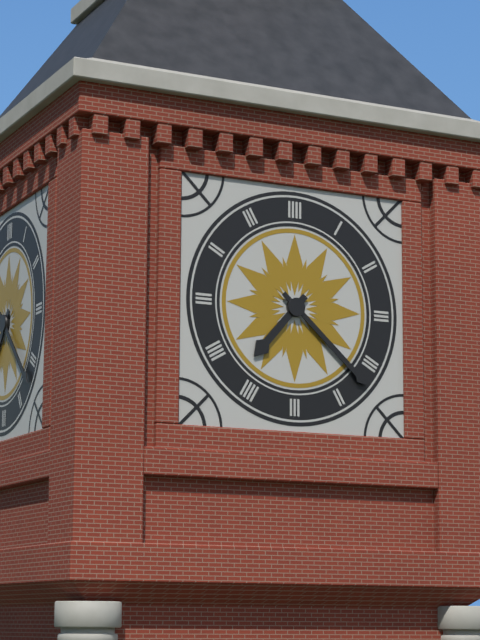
7h22
